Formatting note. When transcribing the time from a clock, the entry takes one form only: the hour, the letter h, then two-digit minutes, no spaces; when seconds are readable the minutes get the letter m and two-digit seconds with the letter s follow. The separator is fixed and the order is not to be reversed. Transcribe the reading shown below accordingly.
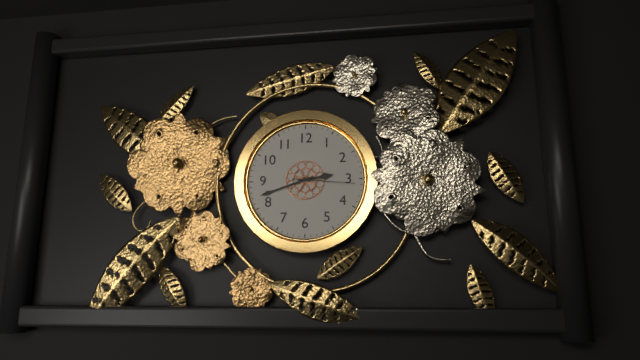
2h42m16s
